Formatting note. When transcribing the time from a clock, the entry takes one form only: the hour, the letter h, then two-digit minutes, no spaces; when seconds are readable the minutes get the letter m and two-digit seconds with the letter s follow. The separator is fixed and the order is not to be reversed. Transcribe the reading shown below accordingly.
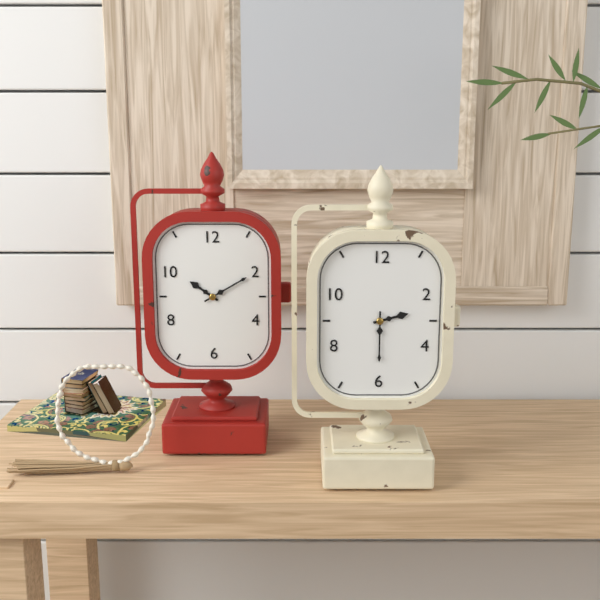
2h30
